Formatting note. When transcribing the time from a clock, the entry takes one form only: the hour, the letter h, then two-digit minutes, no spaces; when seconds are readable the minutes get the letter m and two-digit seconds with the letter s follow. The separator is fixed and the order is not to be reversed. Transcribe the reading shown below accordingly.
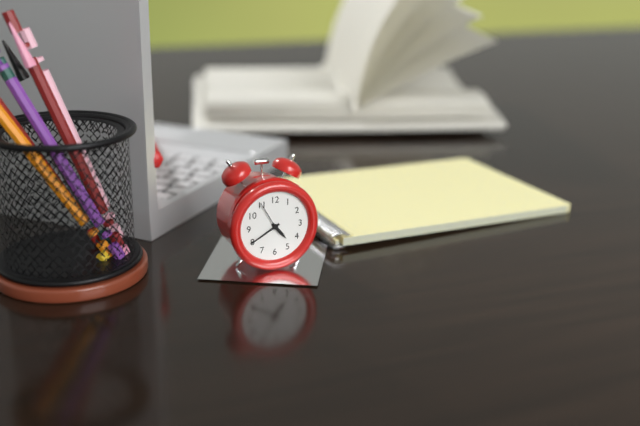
4h40
